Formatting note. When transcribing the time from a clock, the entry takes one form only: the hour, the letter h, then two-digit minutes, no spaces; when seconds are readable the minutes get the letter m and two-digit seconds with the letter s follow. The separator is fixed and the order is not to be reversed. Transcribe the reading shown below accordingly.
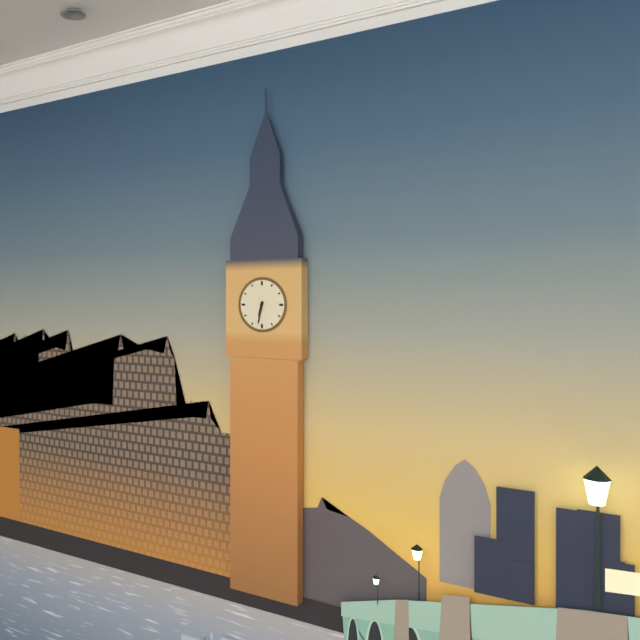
6h32
